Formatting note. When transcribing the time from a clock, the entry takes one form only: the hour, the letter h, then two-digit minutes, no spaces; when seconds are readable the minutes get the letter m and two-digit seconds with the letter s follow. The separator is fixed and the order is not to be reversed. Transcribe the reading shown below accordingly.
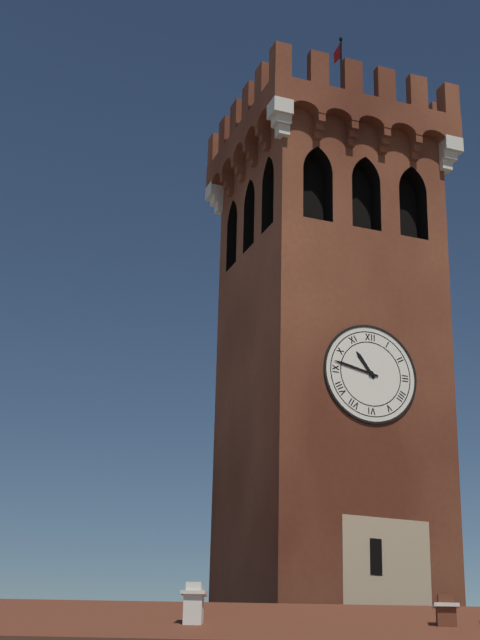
10h47
